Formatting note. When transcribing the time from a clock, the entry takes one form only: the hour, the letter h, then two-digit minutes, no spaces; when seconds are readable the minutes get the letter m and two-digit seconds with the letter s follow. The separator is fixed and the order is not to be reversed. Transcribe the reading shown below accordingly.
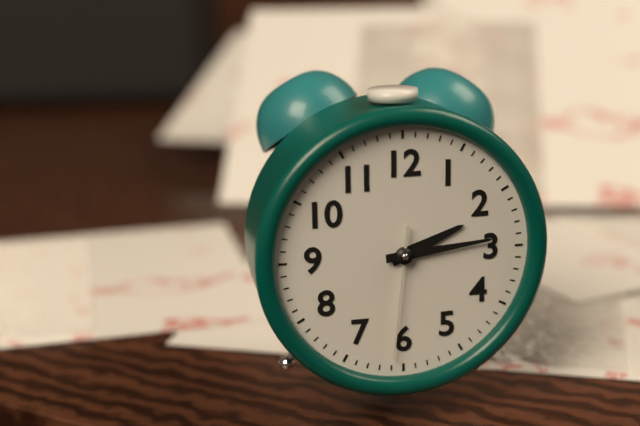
2h14m31s
